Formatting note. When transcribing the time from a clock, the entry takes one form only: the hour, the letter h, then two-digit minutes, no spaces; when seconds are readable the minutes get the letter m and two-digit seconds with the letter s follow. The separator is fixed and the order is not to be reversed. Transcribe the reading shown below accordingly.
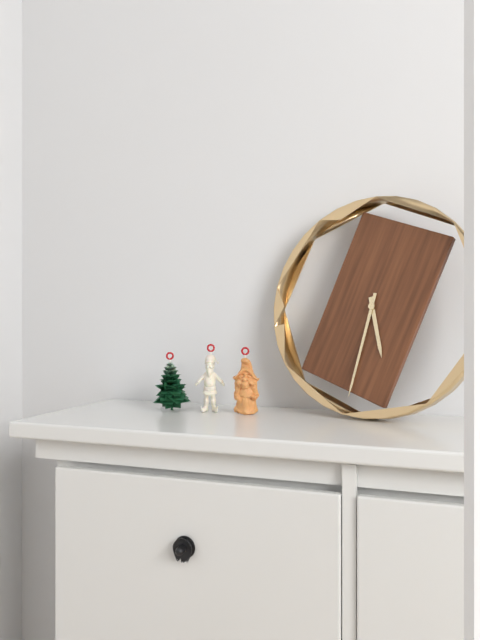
5h32
